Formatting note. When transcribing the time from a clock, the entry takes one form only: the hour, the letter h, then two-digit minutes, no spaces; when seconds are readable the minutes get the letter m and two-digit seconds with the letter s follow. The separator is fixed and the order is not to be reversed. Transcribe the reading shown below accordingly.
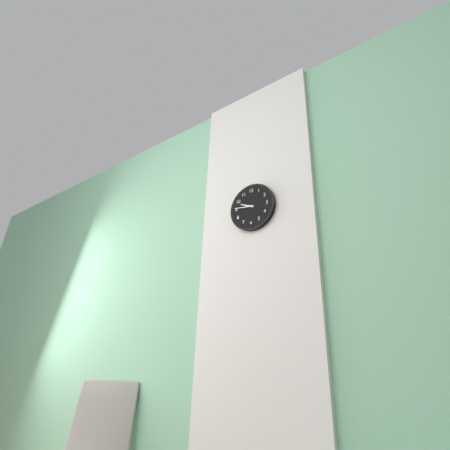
9h46
